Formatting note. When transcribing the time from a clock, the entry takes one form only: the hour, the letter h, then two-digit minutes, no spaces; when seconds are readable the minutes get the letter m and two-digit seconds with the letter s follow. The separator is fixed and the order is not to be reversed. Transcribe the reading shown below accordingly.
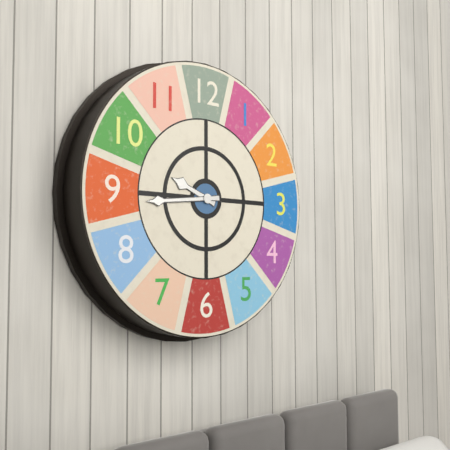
9h44
